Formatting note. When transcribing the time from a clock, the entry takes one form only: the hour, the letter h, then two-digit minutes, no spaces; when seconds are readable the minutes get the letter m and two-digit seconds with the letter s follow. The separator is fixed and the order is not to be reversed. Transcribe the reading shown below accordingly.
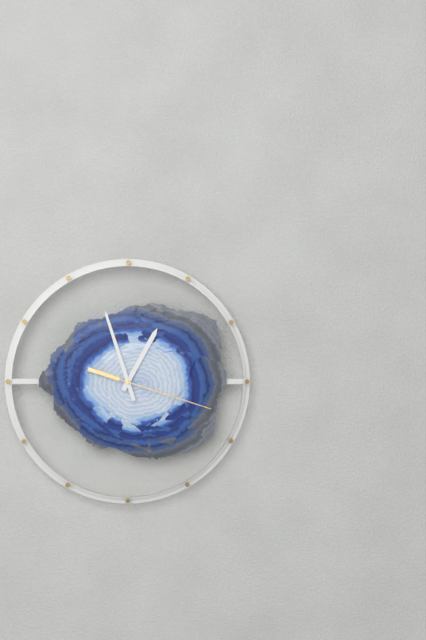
12h57m18s
